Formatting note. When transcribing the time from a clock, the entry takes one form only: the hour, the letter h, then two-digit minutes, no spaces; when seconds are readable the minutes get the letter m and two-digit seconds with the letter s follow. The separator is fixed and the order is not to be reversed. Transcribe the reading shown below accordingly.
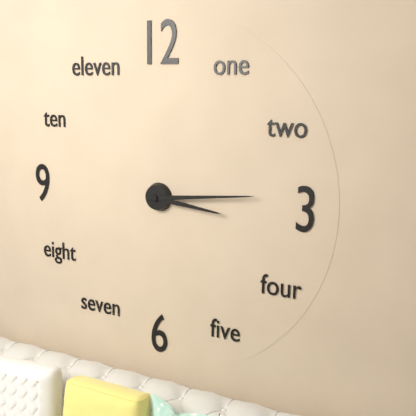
3h14
